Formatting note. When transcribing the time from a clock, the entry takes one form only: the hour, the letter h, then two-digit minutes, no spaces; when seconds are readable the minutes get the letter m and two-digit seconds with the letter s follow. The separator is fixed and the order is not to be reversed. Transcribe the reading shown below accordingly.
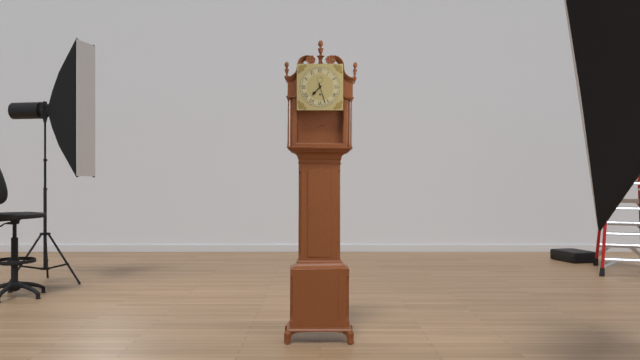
7h27
